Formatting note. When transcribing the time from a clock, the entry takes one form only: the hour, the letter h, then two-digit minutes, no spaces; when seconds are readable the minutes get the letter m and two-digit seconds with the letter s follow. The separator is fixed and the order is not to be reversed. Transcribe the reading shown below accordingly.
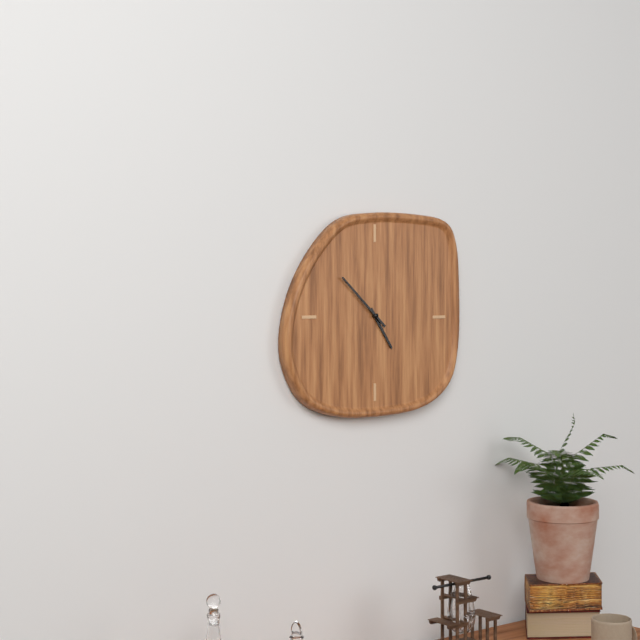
4h52
